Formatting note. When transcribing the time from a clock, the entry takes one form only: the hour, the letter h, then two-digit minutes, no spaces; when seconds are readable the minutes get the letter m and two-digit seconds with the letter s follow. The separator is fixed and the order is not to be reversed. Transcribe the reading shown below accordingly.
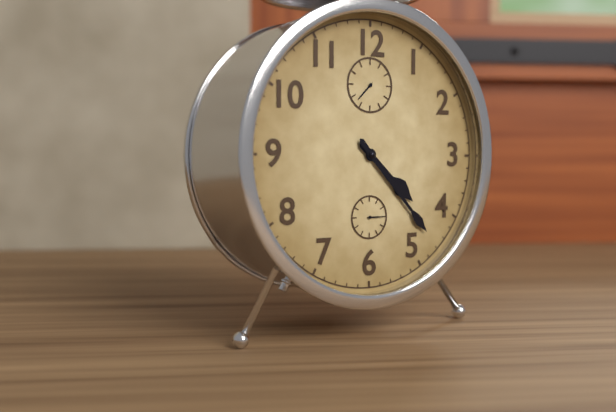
4h23
